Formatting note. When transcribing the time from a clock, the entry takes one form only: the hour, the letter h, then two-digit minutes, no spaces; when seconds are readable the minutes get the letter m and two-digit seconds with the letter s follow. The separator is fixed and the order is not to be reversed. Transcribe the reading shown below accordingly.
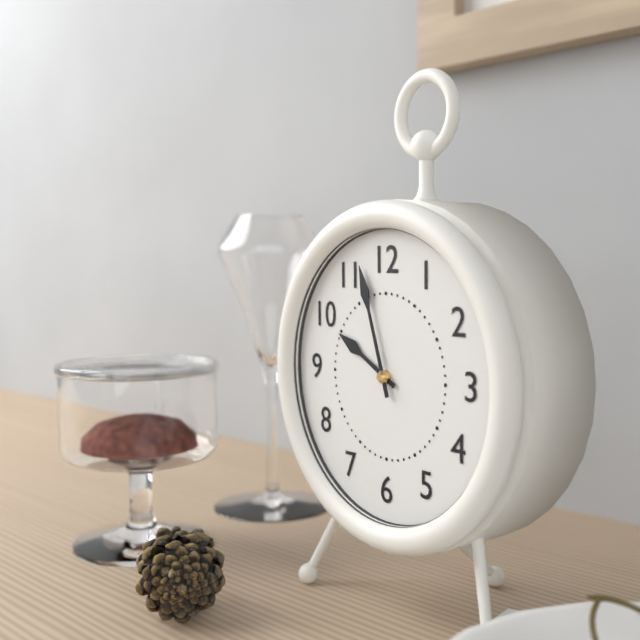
9h57
